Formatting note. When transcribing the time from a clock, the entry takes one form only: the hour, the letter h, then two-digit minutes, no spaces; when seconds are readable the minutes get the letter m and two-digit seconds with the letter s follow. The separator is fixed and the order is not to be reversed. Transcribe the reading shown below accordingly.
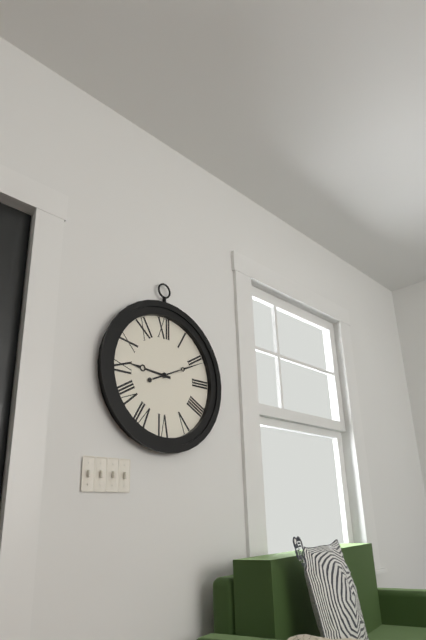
9h11
